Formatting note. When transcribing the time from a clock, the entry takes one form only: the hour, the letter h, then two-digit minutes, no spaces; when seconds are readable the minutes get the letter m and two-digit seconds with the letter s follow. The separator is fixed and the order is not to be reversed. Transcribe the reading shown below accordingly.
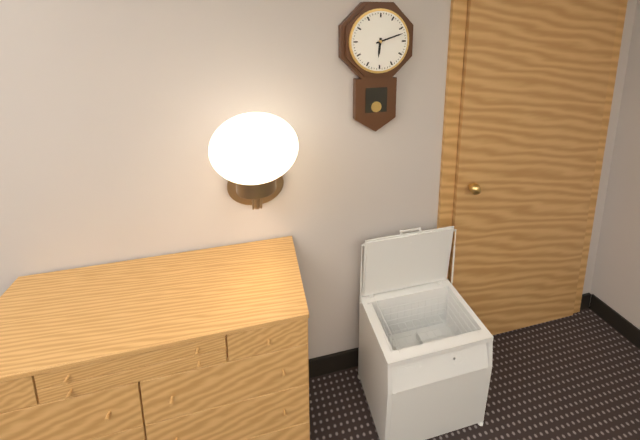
6h12
